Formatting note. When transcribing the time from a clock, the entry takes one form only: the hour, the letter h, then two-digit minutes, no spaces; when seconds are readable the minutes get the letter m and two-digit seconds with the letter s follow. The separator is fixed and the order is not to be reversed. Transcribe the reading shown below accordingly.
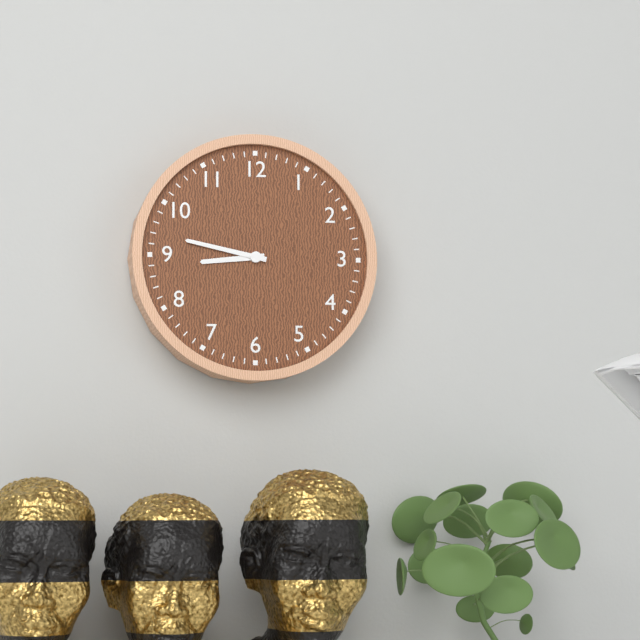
8h47
